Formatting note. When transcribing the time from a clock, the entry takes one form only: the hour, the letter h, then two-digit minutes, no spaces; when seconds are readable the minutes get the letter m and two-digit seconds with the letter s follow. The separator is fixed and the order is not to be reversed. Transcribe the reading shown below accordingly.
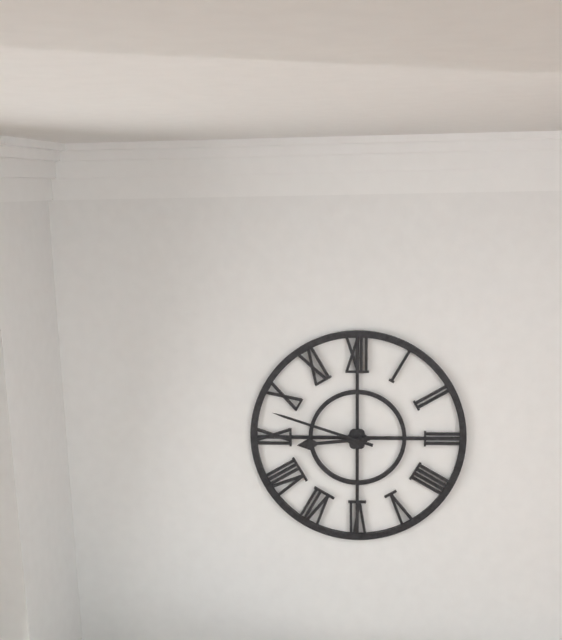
8h48
